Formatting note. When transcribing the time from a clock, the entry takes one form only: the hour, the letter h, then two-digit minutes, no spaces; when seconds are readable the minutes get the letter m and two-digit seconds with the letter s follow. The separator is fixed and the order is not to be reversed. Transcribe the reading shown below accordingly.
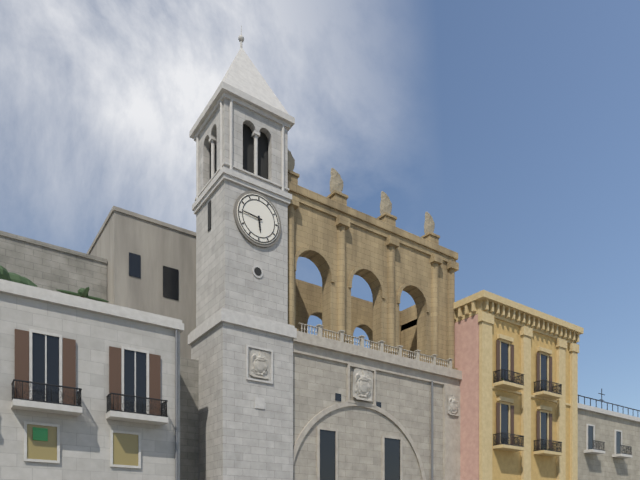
5h46
